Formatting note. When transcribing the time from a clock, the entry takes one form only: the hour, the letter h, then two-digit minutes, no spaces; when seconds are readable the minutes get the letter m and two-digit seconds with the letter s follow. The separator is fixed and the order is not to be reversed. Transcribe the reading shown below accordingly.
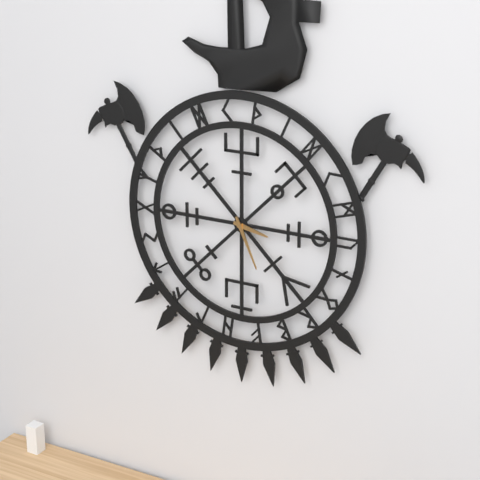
3h26
